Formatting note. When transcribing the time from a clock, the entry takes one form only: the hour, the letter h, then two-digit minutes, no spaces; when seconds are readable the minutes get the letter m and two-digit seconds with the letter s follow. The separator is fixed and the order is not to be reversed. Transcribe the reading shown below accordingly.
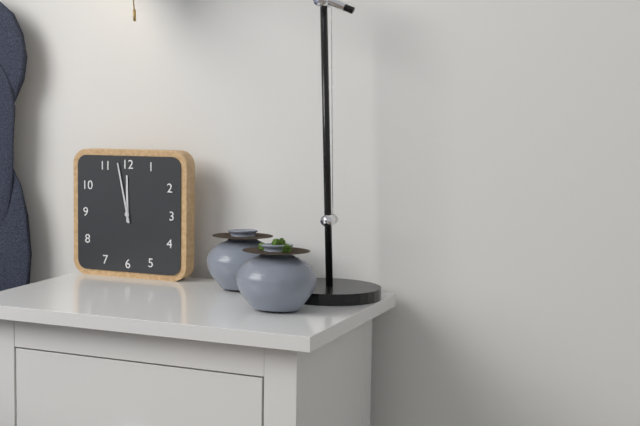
11h58
